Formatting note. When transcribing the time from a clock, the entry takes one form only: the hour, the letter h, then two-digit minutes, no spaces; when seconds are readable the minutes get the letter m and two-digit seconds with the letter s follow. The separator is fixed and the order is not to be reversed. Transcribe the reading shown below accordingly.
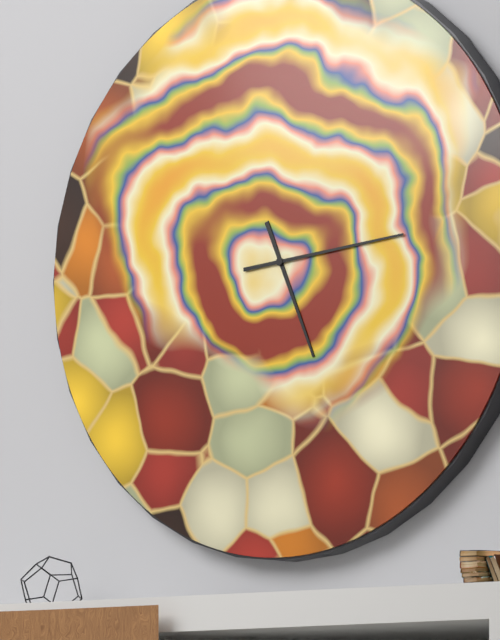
5h14
